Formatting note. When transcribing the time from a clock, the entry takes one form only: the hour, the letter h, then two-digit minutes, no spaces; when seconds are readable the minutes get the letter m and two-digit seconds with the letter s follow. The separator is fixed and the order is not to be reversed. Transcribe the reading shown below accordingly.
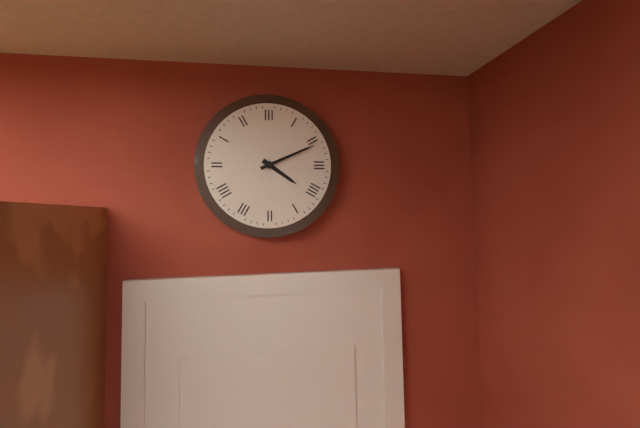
4h11
